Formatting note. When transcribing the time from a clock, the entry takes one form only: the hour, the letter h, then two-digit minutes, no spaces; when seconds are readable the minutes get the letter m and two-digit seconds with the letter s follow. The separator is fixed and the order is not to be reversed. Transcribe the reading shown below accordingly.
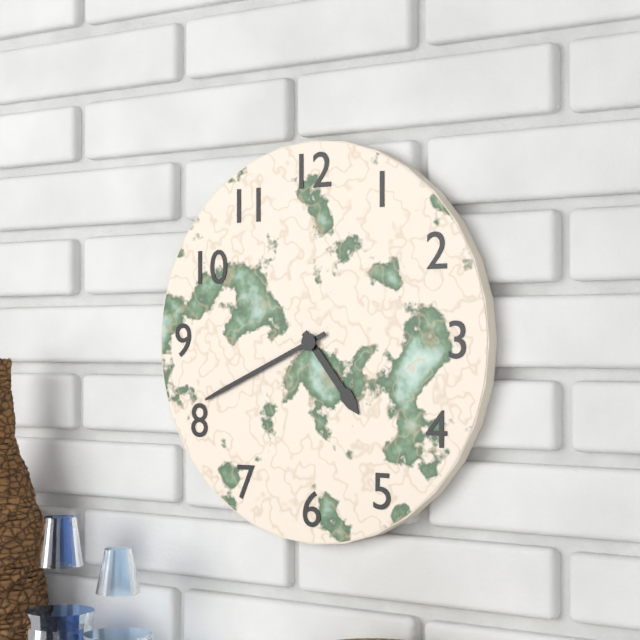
4h41
